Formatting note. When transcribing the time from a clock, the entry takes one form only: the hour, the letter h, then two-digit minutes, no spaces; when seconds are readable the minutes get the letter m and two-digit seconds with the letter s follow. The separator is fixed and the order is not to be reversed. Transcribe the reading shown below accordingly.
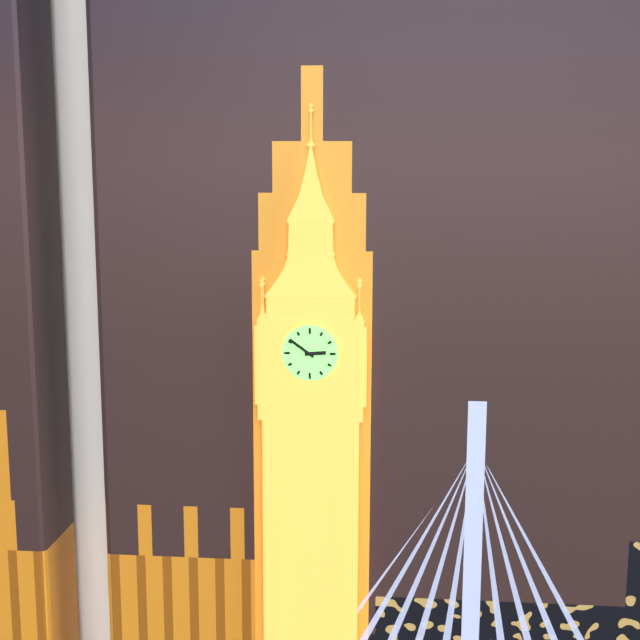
2h51
